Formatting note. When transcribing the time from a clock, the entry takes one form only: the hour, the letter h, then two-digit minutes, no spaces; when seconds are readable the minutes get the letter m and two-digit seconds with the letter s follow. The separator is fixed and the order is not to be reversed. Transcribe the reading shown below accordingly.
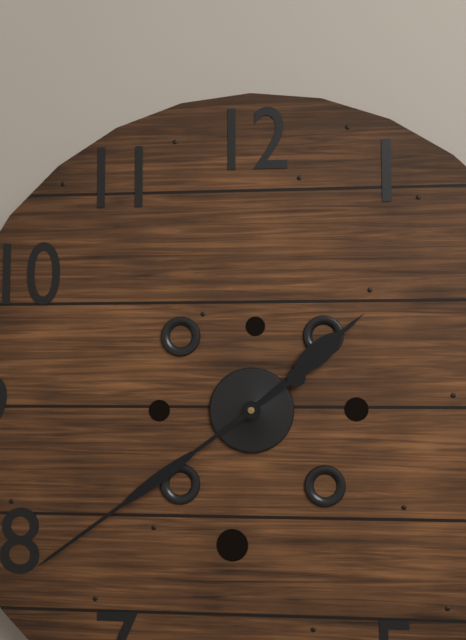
1h39
